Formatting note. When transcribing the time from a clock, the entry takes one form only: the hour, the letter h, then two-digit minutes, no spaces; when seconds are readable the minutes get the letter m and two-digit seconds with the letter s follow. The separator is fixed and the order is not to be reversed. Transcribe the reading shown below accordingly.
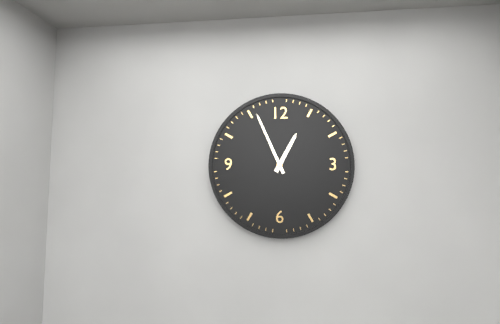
12h56
